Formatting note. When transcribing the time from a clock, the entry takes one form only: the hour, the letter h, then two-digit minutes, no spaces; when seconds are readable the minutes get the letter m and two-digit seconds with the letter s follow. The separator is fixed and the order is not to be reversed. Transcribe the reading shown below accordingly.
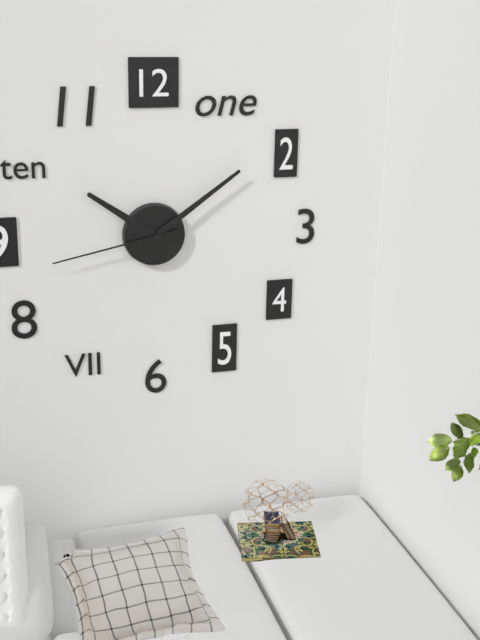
10h09m43s
